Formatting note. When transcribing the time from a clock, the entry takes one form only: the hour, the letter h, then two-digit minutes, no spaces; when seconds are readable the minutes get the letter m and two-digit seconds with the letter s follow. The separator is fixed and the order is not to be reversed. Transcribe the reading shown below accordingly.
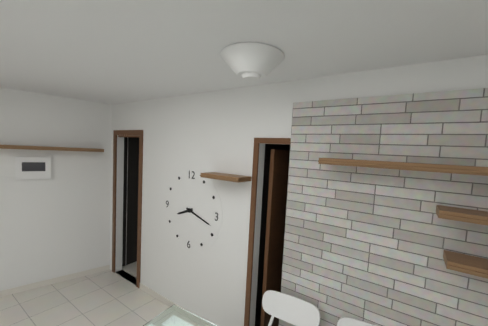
8h18
